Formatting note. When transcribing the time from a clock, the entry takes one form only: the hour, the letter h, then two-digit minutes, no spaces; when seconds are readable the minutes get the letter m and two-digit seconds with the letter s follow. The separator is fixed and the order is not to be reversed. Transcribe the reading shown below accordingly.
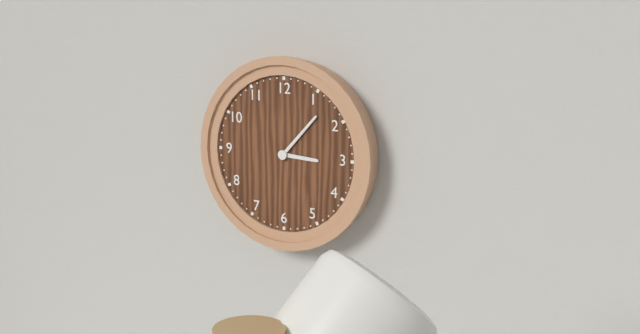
3h07
